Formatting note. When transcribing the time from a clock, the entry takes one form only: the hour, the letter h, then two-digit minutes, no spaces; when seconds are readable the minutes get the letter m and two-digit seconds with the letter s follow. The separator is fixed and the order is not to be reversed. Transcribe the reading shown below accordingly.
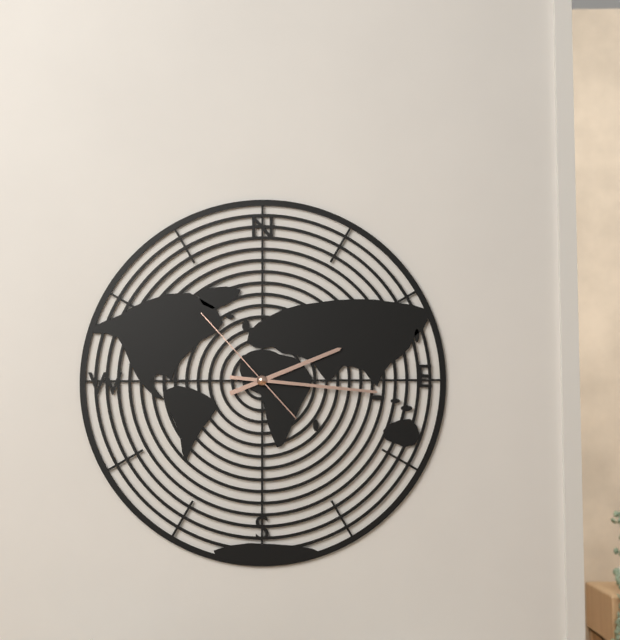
2h16m53s
